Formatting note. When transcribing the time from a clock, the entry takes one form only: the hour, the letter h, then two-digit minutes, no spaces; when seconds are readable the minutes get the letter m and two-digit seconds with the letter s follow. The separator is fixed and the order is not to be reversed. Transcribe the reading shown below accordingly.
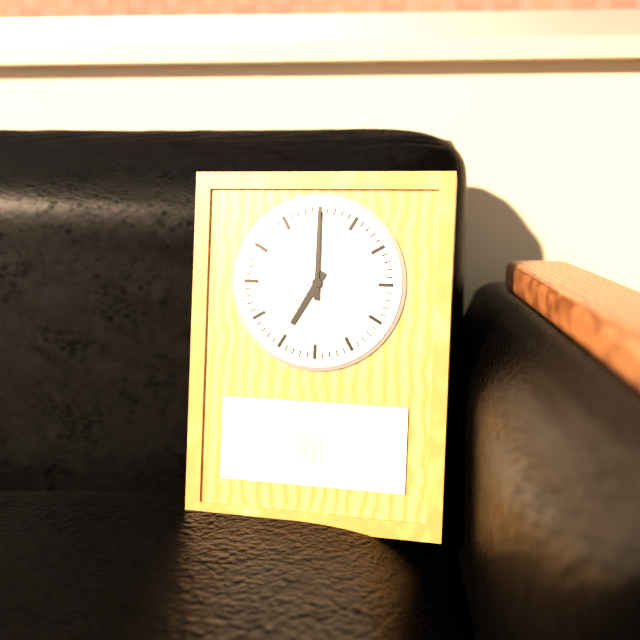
7h00
